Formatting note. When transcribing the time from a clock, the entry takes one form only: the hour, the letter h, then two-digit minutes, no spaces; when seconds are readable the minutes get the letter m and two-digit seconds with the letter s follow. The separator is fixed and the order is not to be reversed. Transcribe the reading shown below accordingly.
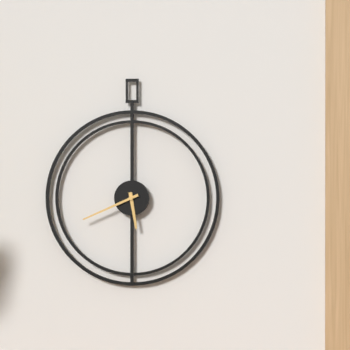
5h41
